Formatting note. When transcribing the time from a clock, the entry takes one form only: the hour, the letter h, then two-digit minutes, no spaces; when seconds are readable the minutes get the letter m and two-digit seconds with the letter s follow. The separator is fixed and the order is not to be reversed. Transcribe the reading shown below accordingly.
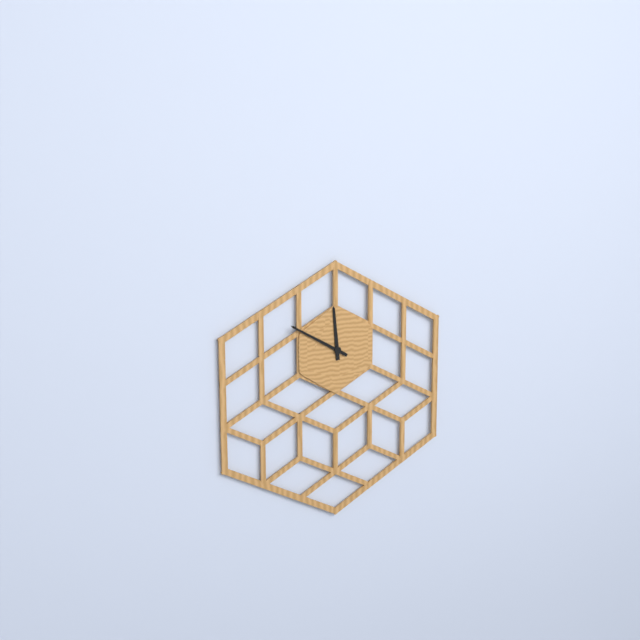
11h50
